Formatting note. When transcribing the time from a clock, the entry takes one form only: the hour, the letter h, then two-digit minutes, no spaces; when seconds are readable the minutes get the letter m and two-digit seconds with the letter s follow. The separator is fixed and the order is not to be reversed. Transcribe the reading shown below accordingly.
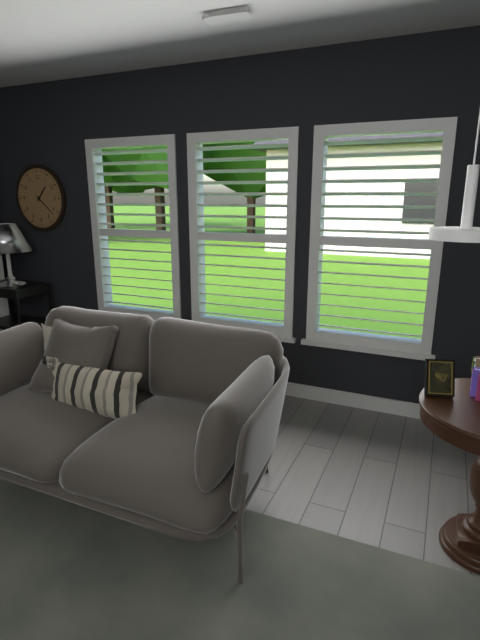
1h22
